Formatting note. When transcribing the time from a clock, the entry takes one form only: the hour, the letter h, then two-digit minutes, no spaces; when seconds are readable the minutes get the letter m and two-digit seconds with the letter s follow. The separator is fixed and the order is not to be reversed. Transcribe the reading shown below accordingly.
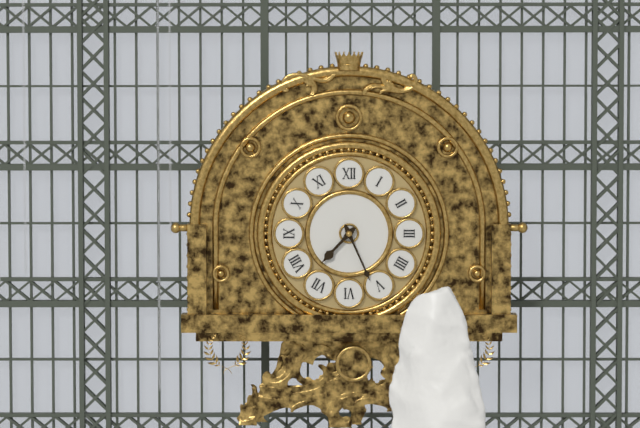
7h26
